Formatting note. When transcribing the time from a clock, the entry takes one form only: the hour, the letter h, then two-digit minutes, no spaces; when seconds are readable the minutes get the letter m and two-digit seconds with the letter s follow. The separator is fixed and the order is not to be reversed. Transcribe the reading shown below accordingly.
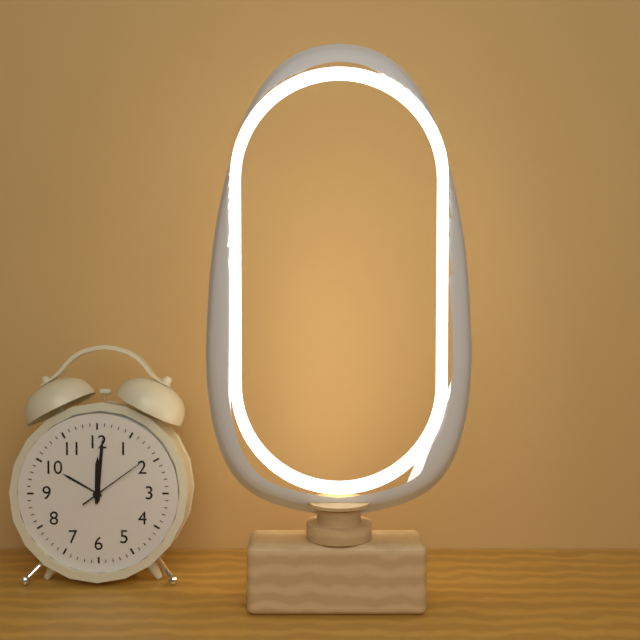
12h01m09s
